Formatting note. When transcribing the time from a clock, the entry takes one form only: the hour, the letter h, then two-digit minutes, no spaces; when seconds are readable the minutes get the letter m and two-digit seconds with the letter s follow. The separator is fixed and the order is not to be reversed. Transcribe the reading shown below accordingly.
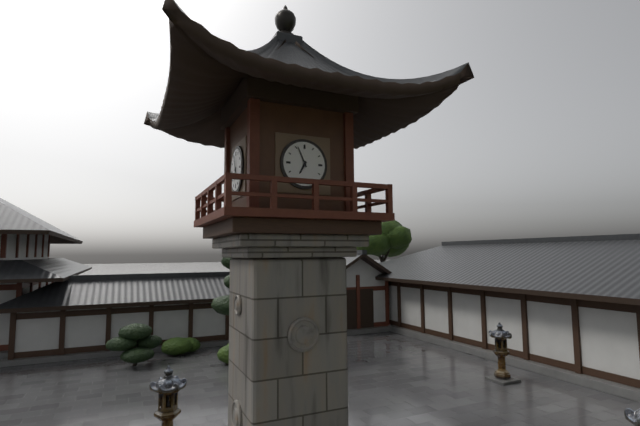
6h56
